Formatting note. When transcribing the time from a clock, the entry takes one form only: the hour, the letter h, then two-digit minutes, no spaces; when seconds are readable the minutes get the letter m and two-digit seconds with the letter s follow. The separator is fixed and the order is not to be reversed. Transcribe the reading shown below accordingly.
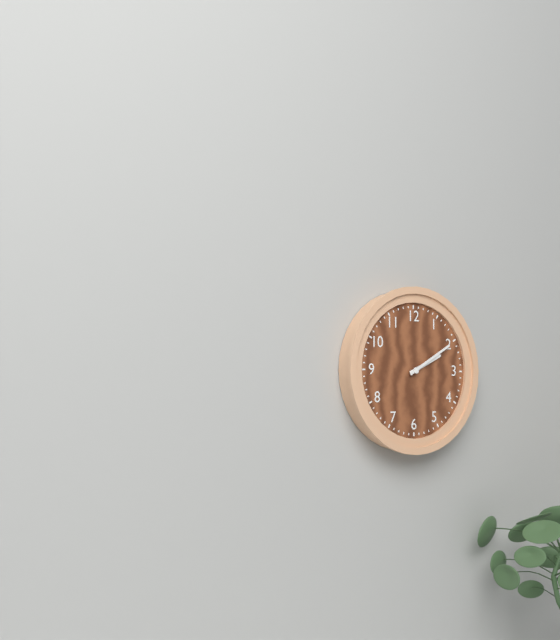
2h10
